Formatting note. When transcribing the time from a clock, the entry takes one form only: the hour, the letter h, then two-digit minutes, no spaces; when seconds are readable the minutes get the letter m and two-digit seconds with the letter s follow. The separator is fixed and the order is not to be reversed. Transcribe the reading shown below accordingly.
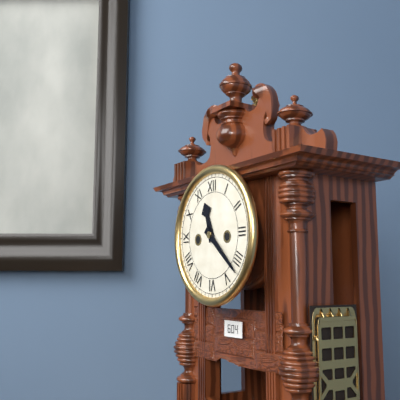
11h22
